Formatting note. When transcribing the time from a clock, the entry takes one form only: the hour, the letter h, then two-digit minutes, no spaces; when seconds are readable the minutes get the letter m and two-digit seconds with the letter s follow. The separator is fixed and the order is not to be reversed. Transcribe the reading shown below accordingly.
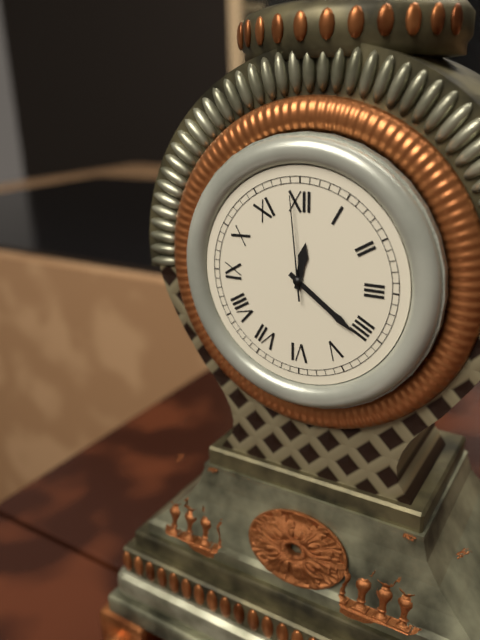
12h21m59s
